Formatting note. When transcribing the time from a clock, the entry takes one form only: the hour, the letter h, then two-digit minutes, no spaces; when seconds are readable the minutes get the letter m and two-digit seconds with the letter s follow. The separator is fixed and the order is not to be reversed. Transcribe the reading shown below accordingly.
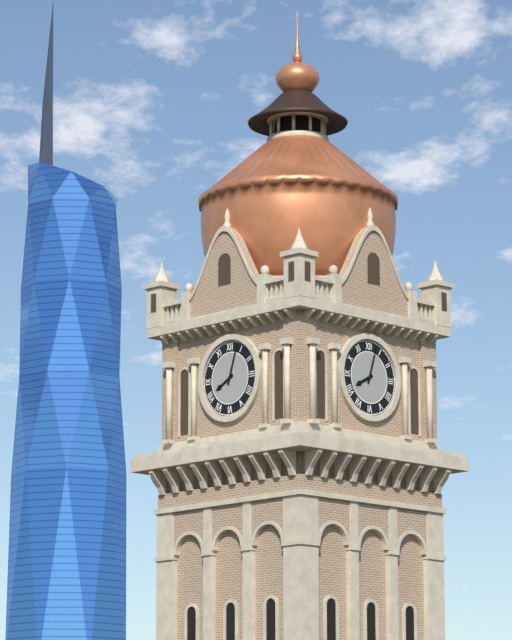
8h03
